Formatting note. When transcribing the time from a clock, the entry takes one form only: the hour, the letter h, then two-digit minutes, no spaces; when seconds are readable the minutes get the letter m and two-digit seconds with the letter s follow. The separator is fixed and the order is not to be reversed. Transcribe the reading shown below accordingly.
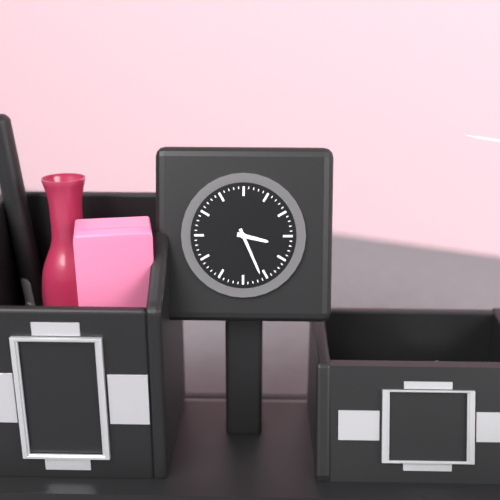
3h26
